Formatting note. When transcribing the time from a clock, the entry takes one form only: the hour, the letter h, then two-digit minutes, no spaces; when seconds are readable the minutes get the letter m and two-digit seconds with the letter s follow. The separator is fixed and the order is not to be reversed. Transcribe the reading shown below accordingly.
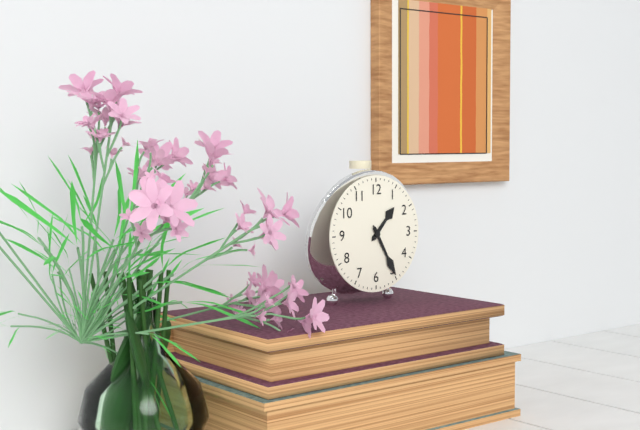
1h25
